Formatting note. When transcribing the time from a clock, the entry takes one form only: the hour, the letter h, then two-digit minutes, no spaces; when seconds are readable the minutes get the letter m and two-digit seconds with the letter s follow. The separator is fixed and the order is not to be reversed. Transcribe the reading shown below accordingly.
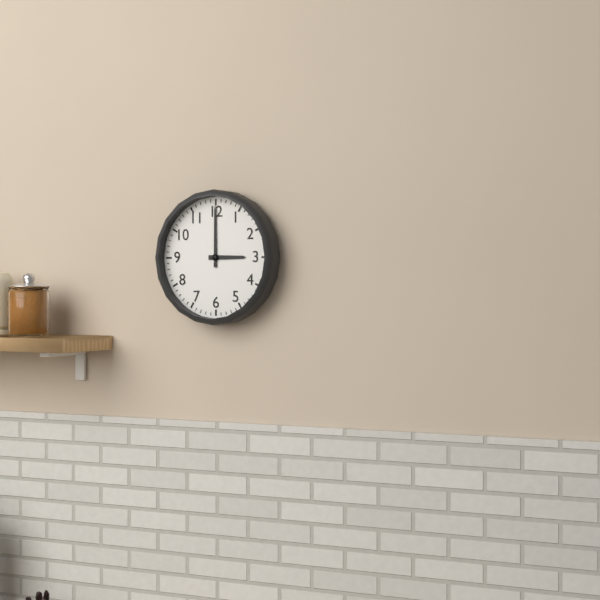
3h00
